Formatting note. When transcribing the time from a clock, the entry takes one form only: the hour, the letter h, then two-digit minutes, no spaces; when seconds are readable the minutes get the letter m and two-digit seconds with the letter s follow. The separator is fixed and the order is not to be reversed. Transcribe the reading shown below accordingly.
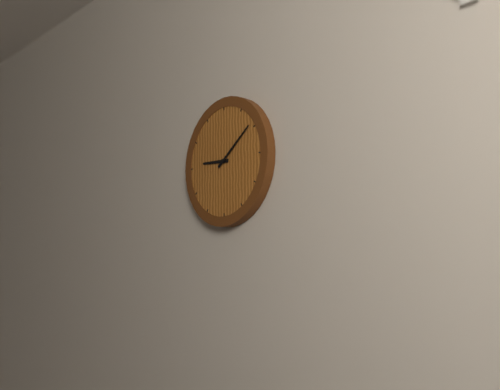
9h09
